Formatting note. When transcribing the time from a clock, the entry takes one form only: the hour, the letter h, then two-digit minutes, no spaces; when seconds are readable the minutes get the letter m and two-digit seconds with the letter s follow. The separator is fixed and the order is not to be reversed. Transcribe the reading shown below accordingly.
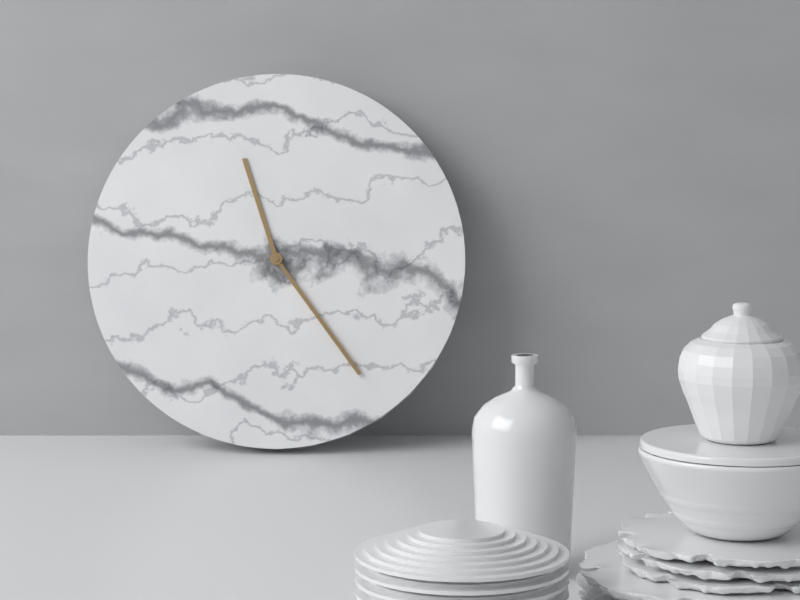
11h24
